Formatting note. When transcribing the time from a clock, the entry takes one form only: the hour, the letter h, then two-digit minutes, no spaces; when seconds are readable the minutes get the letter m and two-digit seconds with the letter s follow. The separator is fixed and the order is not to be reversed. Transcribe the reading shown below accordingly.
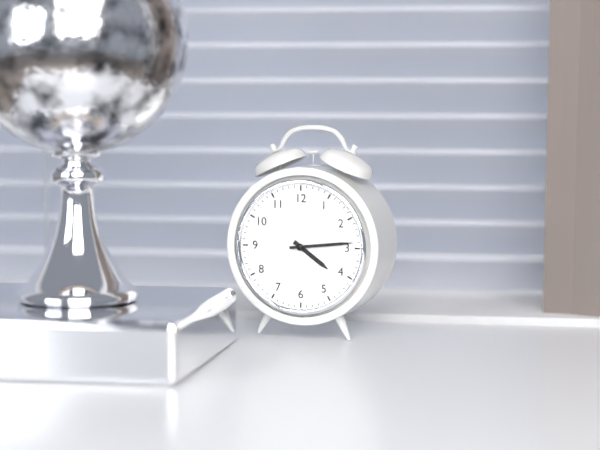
4h14
